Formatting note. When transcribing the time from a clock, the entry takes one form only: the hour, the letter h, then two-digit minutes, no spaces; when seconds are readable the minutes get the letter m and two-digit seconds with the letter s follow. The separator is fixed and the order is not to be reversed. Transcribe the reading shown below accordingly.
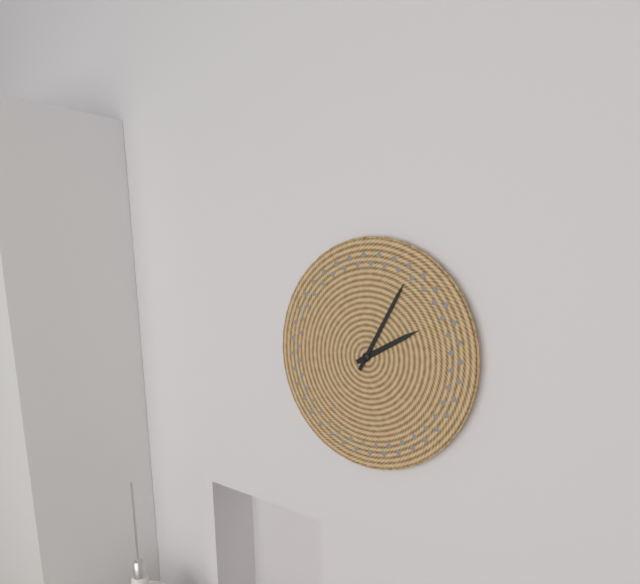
2h05
